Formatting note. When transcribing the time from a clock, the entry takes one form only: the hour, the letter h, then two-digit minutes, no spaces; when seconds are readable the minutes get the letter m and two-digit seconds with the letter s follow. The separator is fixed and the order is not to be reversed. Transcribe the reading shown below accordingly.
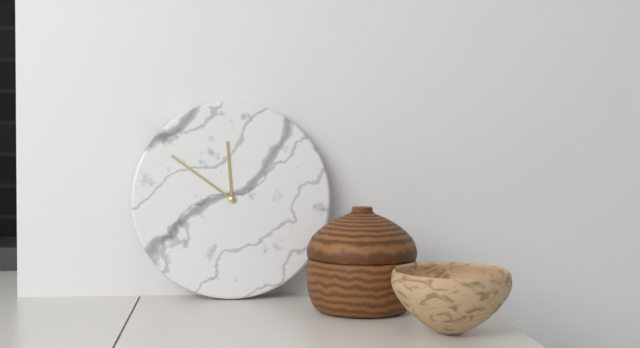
11h51
